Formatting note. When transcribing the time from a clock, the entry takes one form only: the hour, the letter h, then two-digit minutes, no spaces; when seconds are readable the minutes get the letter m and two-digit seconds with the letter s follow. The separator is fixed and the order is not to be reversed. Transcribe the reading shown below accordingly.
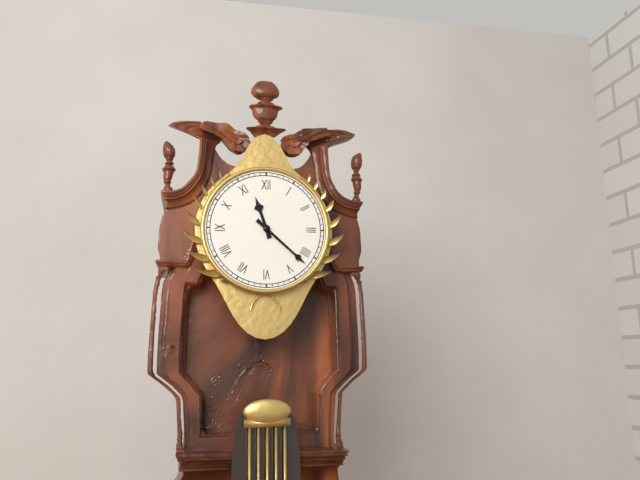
11h22
